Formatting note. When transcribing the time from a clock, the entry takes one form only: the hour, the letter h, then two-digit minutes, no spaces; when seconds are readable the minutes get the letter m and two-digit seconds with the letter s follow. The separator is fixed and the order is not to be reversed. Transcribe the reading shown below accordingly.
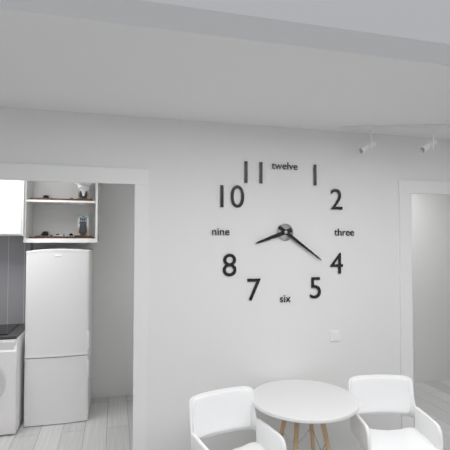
8h21
